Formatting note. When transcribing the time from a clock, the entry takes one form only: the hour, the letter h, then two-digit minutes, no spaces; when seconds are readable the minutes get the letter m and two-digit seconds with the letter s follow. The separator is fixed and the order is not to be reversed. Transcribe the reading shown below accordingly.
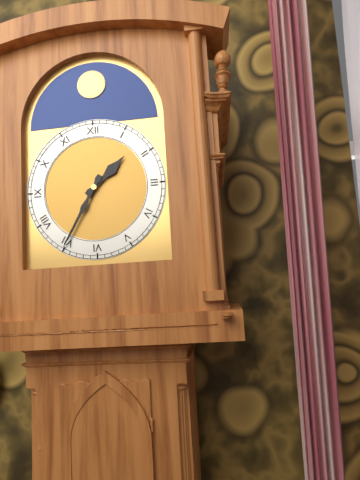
1h35
